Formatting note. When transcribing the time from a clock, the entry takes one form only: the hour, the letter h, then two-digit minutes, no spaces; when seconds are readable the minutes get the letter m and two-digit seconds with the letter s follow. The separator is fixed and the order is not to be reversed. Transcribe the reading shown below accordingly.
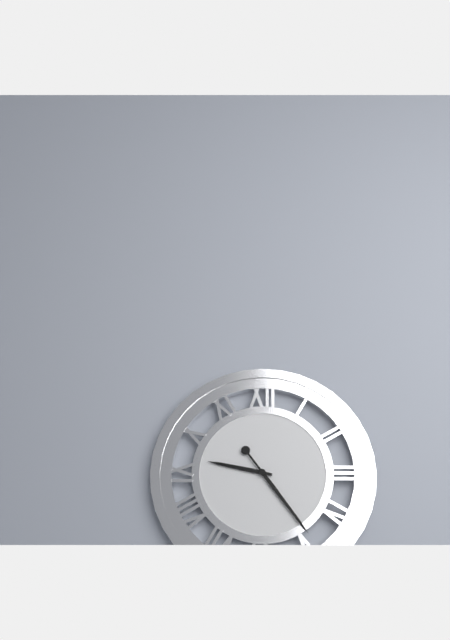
9h24
